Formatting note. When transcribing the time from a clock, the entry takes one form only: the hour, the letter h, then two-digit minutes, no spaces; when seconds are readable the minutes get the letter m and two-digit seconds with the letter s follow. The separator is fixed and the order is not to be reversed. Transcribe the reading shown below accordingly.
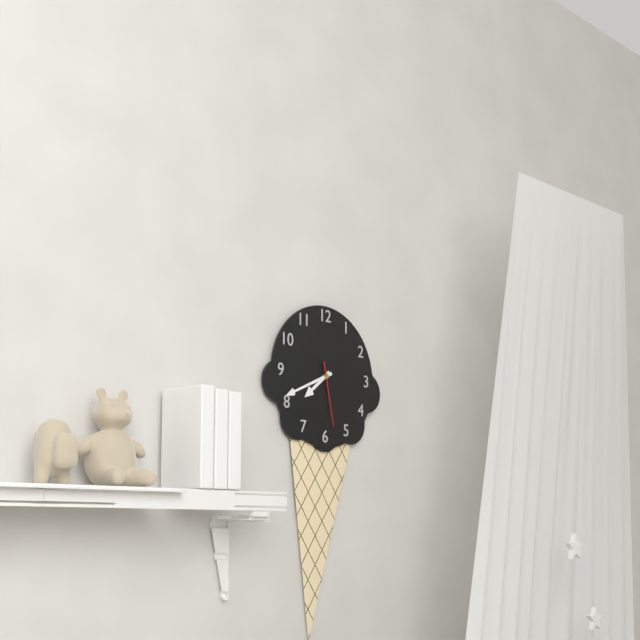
7h41m28s
